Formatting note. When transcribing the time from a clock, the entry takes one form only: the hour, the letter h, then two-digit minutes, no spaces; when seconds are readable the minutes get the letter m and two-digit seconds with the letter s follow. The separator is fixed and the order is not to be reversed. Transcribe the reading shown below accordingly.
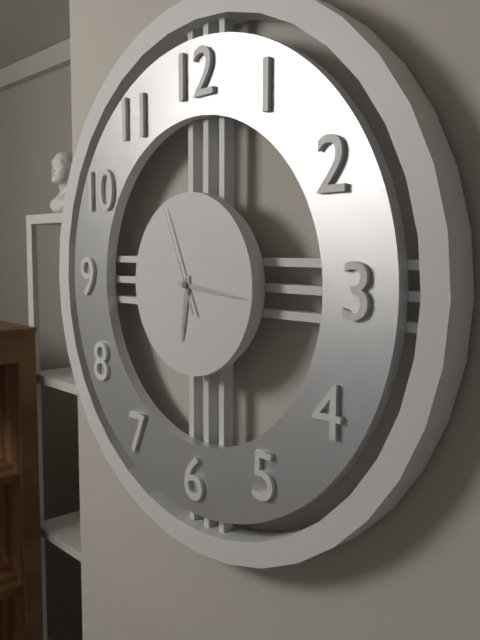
6h16m56s
